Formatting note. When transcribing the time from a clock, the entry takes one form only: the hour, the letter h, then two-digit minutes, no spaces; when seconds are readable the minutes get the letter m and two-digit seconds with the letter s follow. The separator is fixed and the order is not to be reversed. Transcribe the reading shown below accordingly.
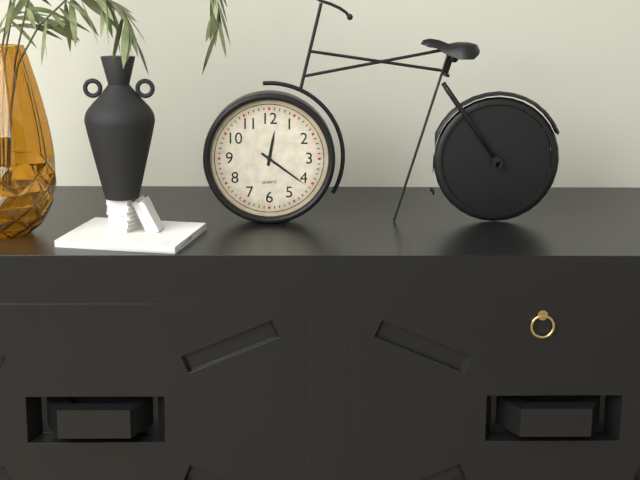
12h21
